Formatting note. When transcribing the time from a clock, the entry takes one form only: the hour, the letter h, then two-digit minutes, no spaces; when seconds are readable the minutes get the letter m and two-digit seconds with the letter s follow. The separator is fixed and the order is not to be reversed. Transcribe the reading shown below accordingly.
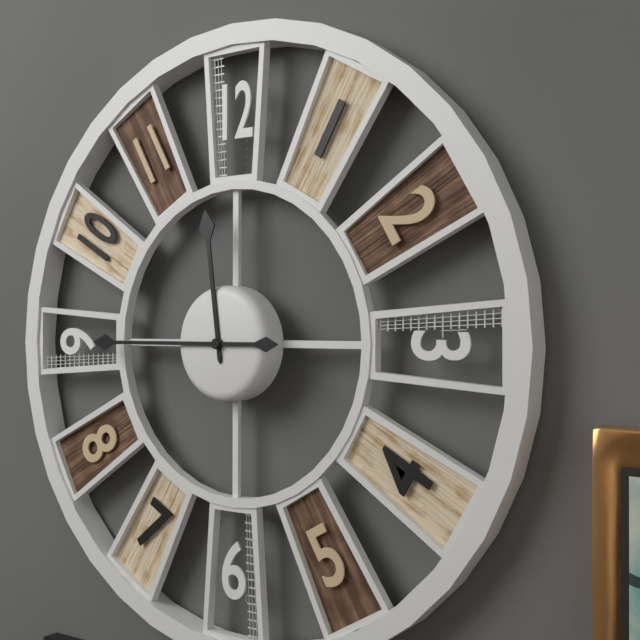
11h45
